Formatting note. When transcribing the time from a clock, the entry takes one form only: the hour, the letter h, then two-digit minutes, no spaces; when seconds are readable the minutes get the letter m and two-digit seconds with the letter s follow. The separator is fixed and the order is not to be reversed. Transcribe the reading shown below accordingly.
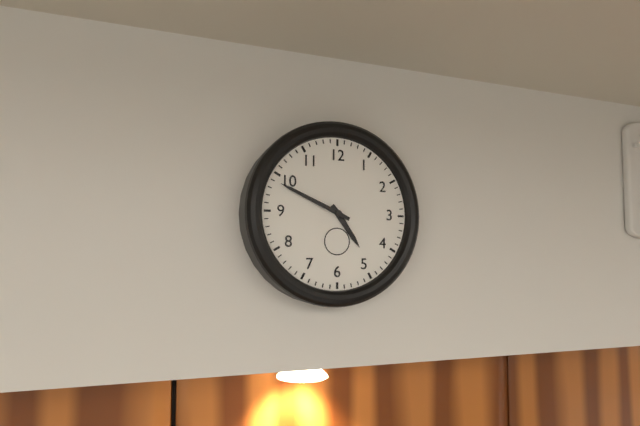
4h49
